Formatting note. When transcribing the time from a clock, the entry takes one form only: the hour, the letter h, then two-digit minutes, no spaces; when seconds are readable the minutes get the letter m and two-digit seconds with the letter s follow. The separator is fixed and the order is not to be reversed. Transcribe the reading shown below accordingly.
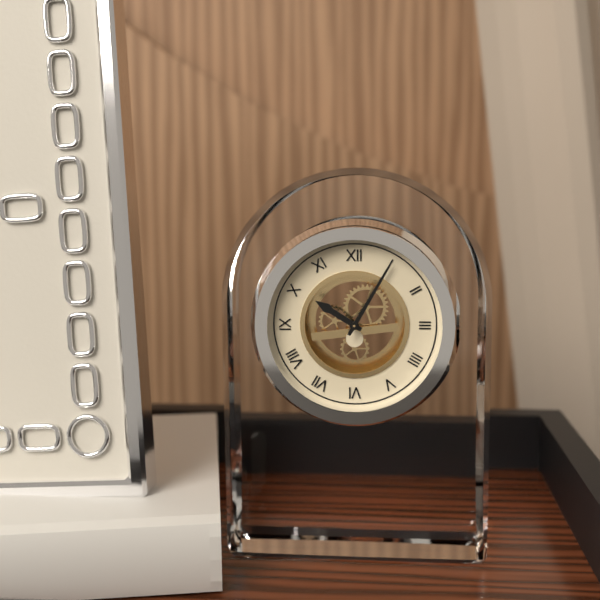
10h05
